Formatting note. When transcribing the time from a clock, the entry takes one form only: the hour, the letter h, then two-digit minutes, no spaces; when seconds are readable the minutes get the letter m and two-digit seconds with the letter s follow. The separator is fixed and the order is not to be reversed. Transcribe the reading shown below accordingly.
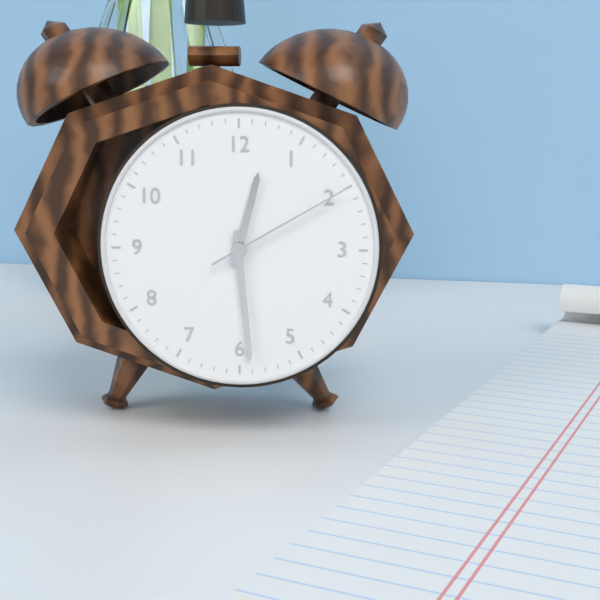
12h29m10s
